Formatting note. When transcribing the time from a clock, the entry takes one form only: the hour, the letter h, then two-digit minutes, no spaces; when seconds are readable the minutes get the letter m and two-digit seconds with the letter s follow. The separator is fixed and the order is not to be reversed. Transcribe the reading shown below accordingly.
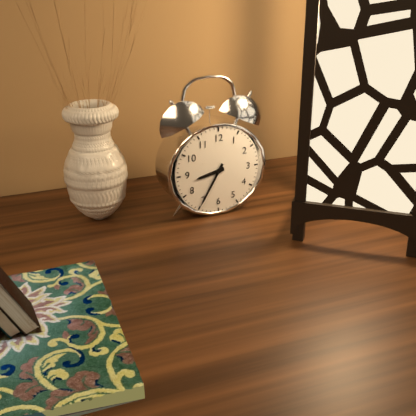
8h35
